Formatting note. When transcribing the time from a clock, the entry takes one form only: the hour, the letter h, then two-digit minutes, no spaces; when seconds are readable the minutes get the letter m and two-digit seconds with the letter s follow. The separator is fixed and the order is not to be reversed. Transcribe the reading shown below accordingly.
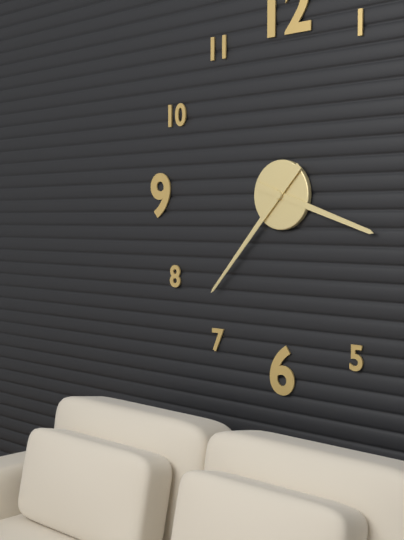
3h37
